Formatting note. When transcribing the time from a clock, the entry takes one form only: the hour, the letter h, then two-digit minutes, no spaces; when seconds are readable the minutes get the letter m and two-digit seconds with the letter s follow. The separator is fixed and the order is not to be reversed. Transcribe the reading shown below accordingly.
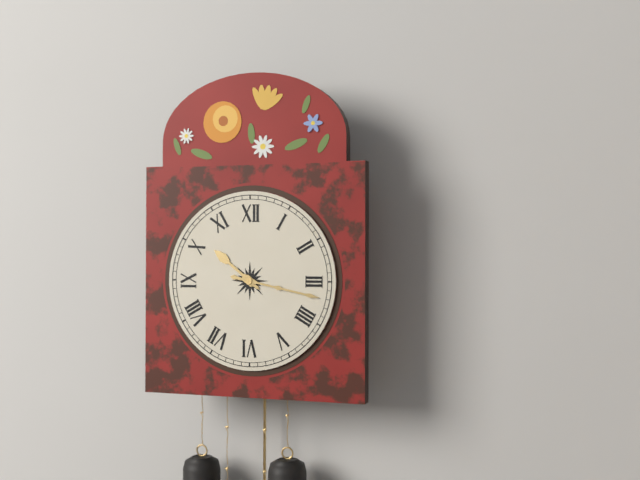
10h17
